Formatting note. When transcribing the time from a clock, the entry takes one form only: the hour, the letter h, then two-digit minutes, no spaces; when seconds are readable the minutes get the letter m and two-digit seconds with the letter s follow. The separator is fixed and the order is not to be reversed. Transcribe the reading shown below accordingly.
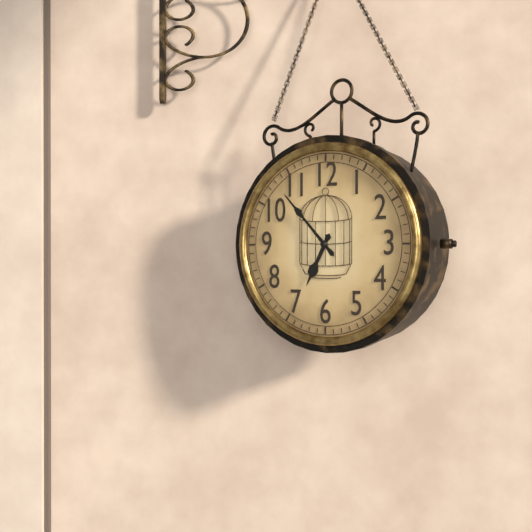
6h53
